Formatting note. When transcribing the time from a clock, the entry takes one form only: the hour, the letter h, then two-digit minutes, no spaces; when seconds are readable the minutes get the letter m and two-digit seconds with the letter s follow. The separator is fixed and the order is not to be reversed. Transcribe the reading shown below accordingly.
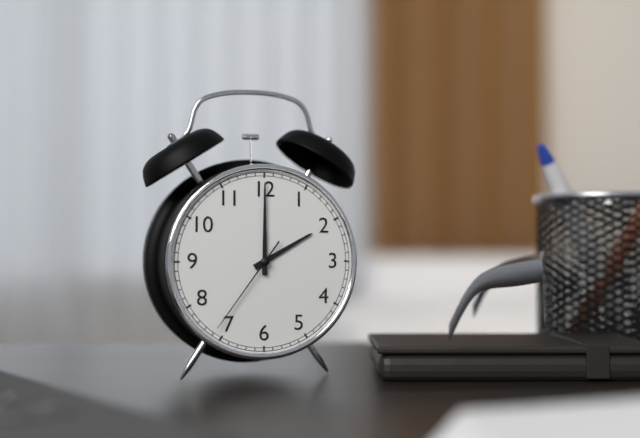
2h00m36s
